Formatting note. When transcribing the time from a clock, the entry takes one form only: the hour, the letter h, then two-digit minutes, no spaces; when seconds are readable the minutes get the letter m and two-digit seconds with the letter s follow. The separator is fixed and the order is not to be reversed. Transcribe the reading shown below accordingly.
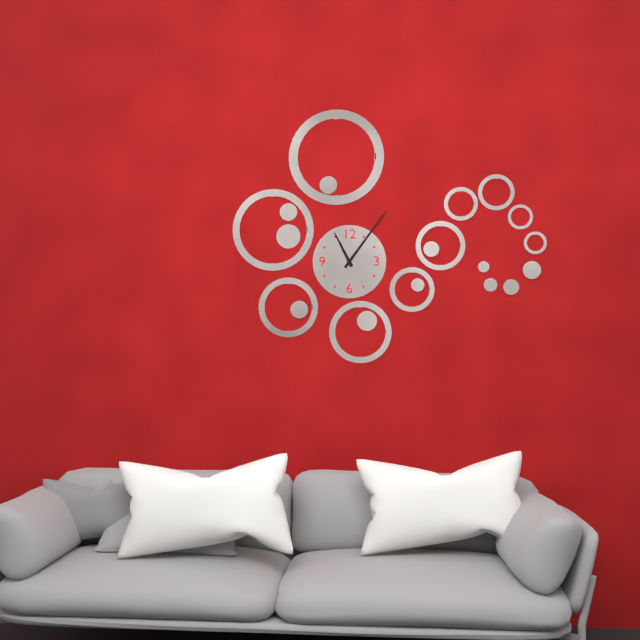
11h06
